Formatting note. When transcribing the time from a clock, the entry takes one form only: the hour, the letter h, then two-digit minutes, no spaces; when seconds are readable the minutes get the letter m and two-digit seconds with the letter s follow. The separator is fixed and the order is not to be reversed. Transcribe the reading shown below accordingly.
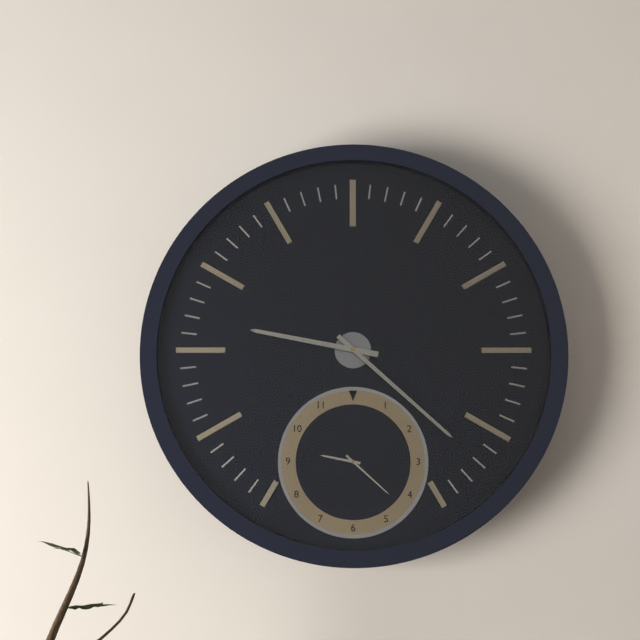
9h22
